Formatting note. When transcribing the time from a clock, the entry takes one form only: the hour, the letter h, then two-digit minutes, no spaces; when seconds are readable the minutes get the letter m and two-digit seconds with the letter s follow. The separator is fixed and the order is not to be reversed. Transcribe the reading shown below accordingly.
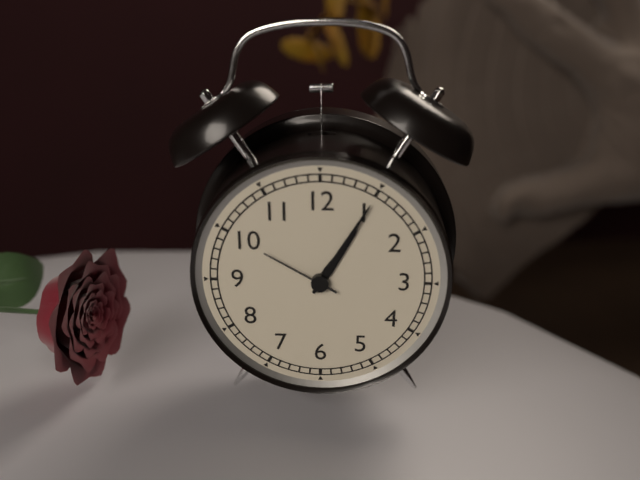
1h05m50s
